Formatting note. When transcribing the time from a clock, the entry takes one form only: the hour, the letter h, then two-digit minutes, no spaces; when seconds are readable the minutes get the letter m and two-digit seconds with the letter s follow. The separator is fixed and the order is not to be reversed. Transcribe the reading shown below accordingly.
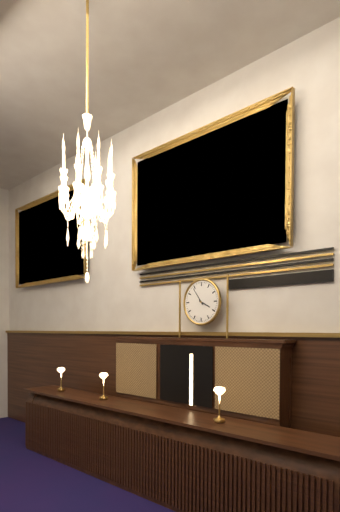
3h54
